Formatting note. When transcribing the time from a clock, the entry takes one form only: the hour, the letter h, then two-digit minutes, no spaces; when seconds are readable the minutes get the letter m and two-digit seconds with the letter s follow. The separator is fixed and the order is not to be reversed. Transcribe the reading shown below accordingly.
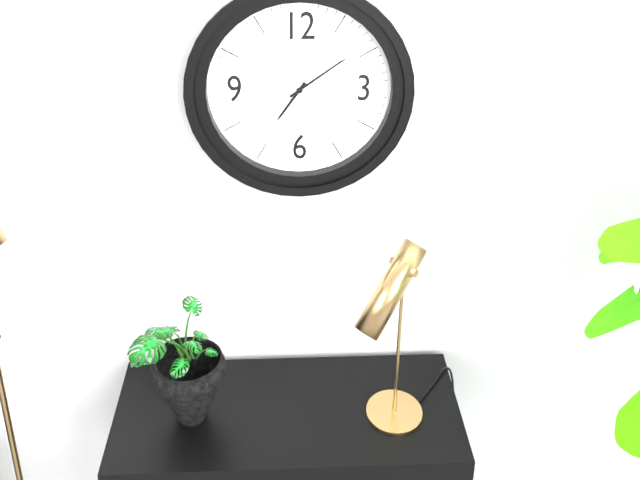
7h09
